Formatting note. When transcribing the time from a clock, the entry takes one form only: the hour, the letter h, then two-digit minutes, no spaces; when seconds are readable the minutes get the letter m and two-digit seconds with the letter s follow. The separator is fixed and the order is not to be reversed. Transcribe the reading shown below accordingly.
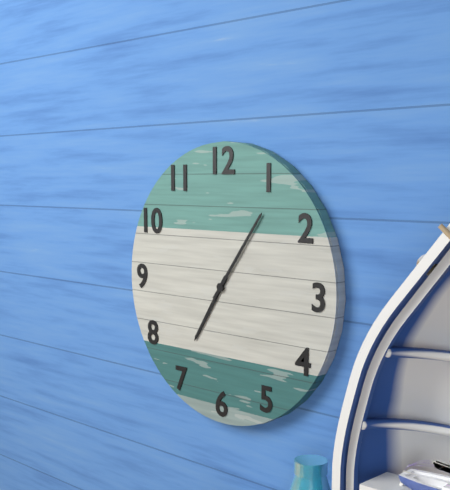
7h06
